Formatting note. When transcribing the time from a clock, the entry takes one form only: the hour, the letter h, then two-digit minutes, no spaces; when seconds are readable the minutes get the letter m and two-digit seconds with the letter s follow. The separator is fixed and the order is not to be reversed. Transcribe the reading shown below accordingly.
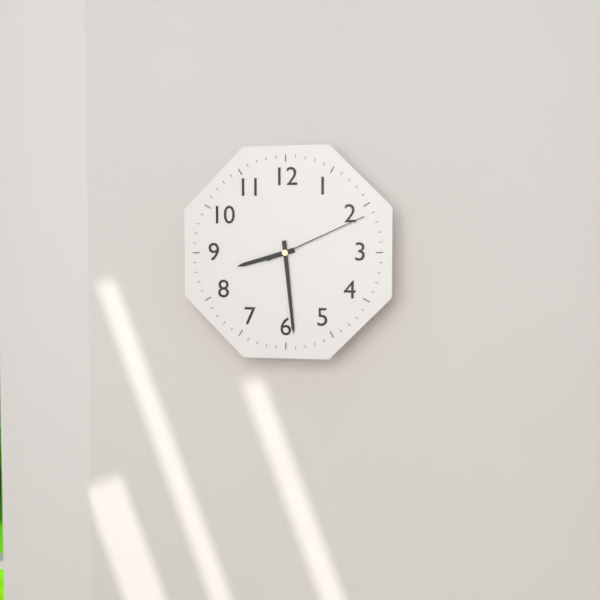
8h29m11s
